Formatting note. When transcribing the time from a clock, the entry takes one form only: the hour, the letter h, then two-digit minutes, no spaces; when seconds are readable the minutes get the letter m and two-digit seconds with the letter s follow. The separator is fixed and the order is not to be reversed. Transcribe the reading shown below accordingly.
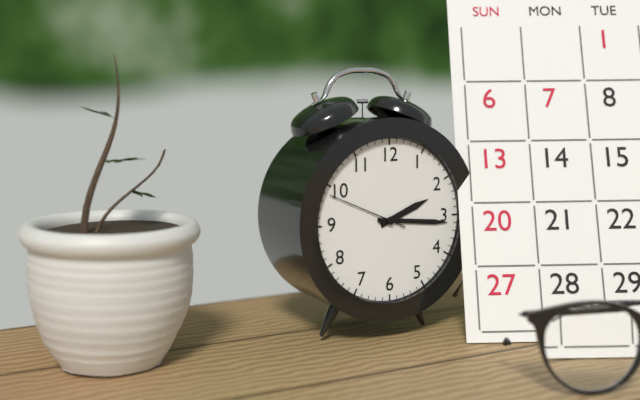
2h16m49s
